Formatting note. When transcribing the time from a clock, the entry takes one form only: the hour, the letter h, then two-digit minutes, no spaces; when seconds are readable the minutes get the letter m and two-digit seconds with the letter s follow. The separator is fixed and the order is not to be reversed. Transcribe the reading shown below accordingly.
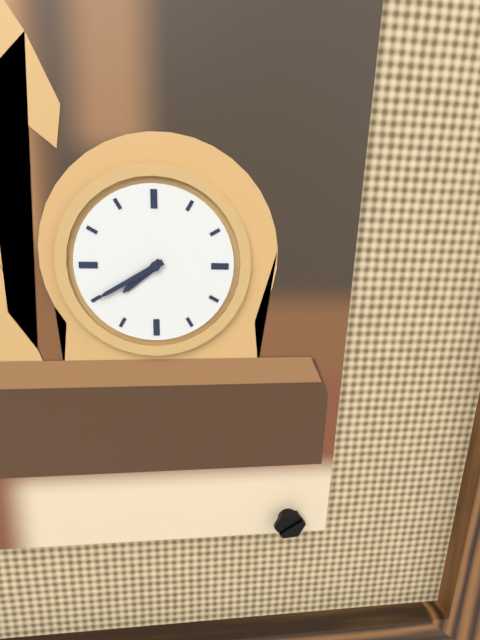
7h40
